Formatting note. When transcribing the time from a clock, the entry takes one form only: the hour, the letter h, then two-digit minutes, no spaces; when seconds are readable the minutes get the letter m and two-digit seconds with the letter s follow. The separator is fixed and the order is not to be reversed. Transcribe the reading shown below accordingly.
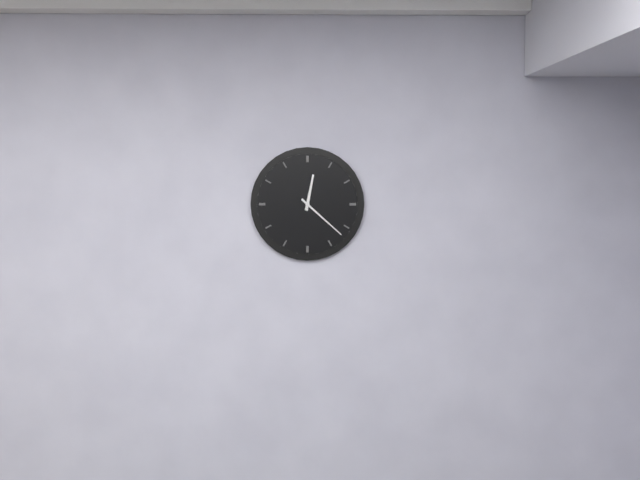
12h22
